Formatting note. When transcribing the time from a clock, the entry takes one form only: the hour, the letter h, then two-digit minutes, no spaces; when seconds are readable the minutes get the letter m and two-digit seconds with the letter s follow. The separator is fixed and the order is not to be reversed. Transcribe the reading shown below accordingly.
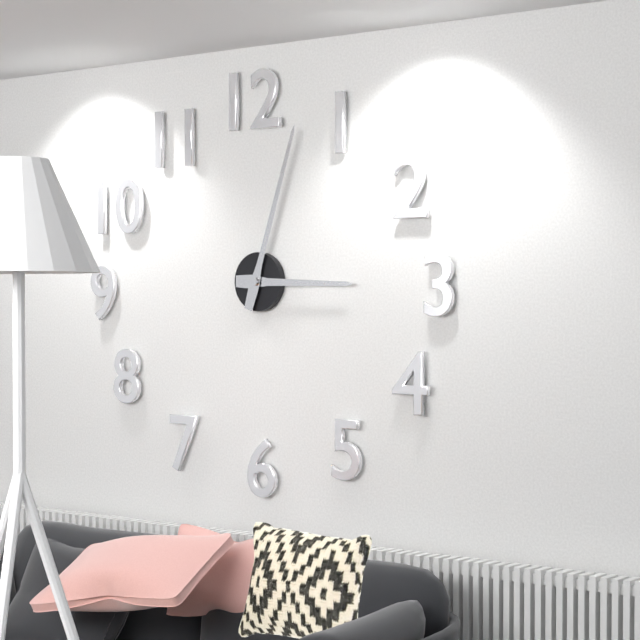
3h03
